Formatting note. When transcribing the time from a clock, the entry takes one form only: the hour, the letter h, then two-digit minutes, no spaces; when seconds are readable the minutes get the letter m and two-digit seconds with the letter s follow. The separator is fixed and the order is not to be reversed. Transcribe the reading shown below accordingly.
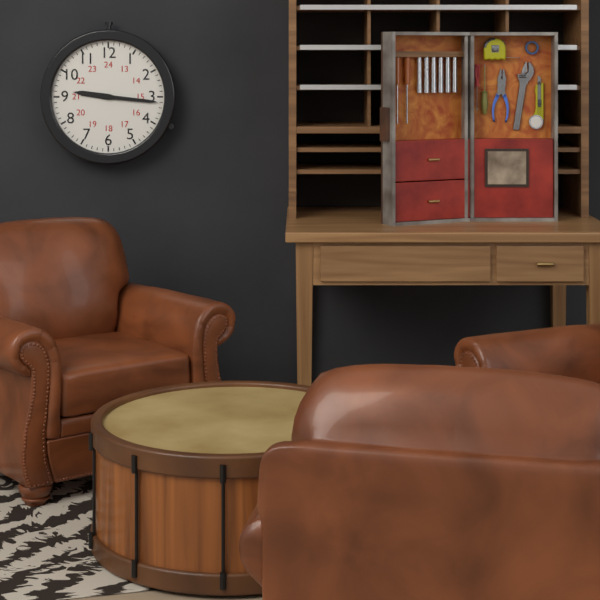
9h16
